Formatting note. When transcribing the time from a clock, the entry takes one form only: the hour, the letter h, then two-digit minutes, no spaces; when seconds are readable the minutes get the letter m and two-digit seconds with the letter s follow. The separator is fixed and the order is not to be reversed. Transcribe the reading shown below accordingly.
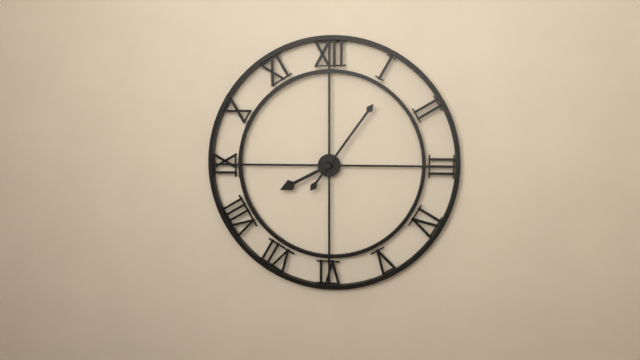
8h06
